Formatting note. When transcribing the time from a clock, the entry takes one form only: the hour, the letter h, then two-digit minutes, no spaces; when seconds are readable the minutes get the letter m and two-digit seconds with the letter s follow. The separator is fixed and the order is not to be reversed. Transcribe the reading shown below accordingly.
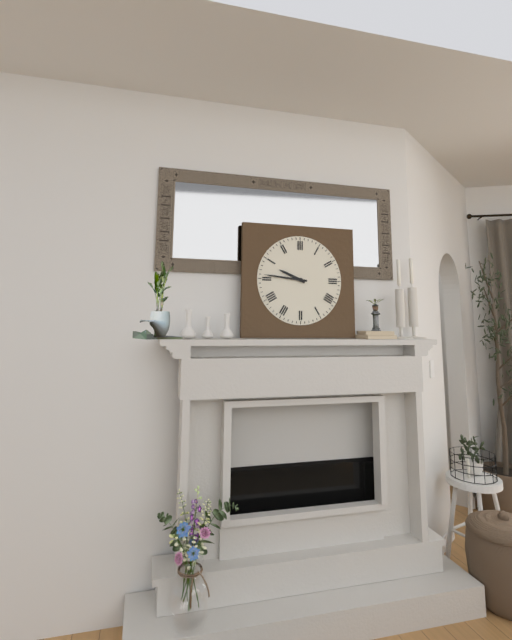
9h46
